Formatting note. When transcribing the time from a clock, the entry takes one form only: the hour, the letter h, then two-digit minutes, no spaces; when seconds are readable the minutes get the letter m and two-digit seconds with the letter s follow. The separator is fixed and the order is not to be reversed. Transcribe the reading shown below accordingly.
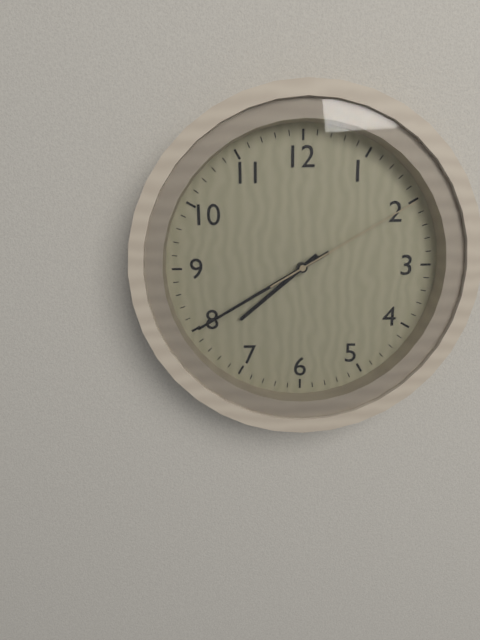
7h40m10s
